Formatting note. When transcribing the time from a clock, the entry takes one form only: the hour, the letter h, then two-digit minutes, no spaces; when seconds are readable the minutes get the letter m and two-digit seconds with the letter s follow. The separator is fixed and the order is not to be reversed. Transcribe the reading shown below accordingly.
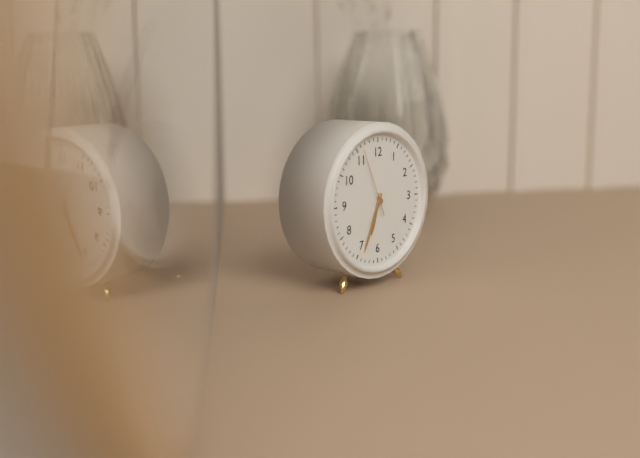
6h34m56s
